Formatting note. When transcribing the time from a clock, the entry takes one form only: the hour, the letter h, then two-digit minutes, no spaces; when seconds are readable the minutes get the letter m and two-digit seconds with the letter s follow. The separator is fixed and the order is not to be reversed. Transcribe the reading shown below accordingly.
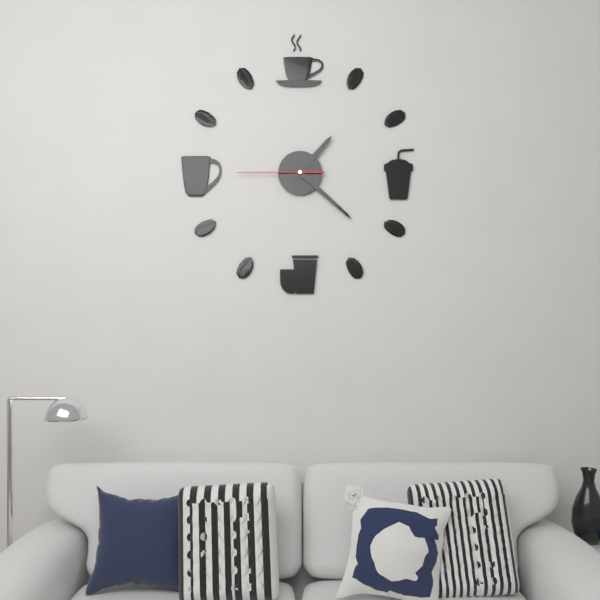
1h22m45s
